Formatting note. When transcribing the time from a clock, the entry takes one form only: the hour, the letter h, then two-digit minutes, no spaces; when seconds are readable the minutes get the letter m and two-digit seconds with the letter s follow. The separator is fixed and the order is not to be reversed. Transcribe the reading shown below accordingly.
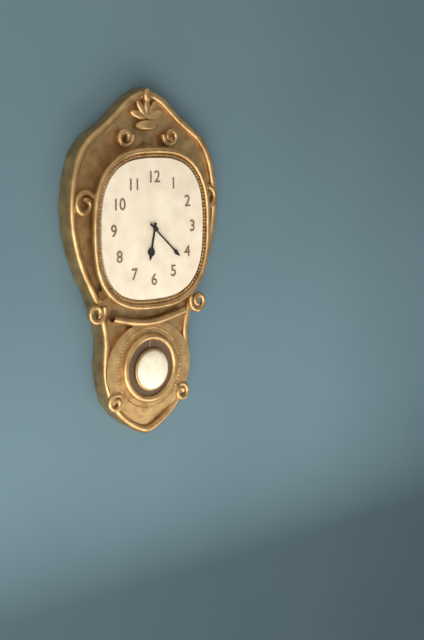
6h22
